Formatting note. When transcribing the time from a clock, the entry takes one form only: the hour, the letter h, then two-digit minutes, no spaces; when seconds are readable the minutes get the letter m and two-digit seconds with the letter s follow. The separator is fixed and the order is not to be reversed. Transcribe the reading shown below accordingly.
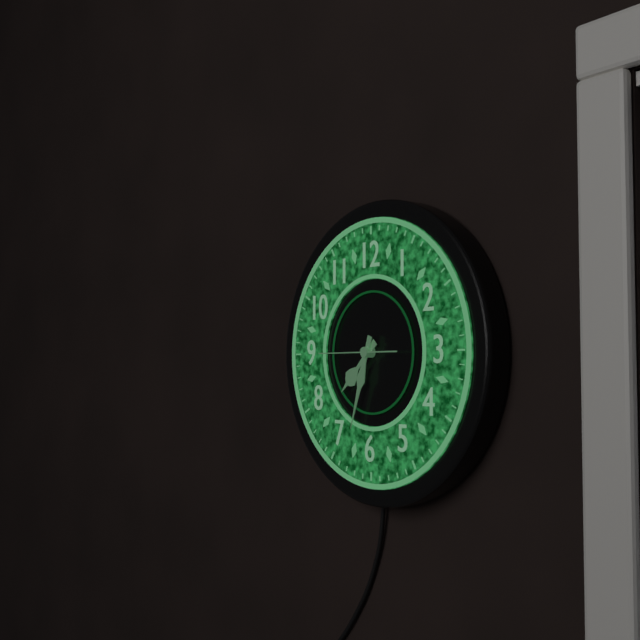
7h33m45s
